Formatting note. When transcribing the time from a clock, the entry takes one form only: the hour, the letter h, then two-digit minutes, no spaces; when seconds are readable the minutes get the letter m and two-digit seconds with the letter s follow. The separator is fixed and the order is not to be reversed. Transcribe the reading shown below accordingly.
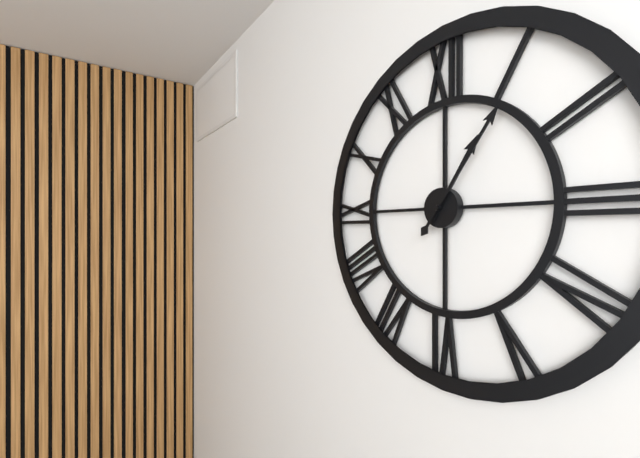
1h06
